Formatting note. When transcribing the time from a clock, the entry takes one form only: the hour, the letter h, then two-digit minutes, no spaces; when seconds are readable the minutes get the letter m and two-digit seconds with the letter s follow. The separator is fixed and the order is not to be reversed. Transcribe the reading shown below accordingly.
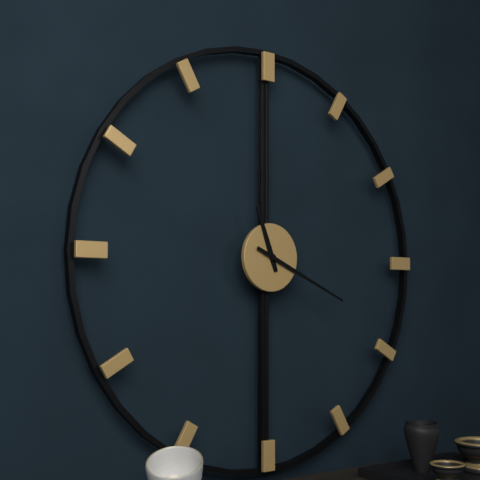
11h19
